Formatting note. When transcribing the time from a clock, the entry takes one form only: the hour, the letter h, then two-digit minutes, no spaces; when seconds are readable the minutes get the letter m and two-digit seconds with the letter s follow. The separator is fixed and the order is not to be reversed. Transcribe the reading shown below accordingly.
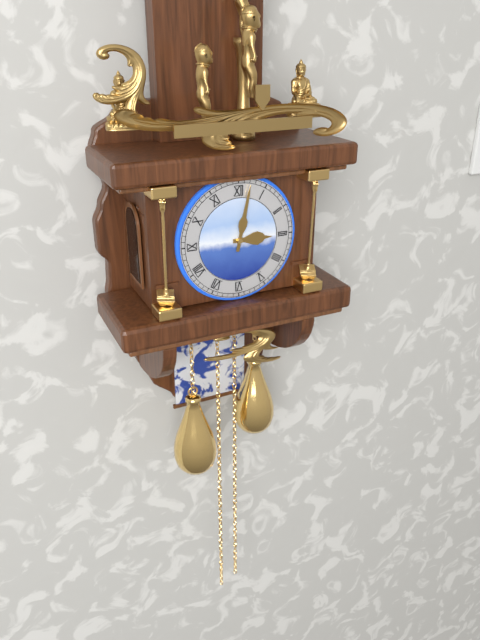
3h02
